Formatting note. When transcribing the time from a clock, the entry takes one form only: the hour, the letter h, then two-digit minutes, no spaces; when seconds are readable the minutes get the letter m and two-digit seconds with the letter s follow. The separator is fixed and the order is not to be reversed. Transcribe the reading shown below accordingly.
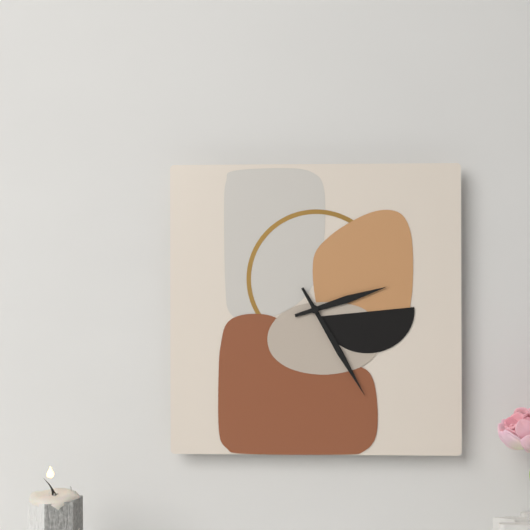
2h25
